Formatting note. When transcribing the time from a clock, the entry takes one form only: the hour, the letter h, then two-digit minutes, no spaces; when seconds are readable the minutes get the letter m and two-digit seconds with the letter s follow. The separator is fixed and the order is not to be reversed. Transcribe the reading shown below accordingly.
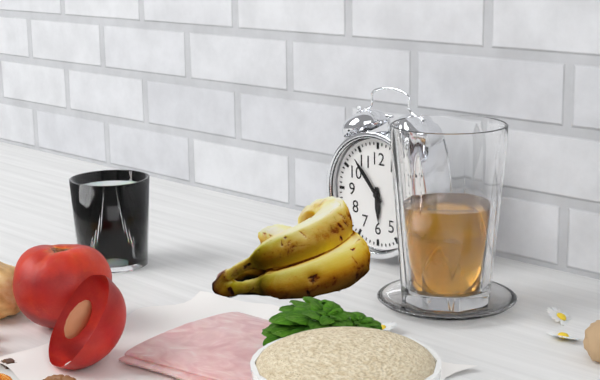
5h53
